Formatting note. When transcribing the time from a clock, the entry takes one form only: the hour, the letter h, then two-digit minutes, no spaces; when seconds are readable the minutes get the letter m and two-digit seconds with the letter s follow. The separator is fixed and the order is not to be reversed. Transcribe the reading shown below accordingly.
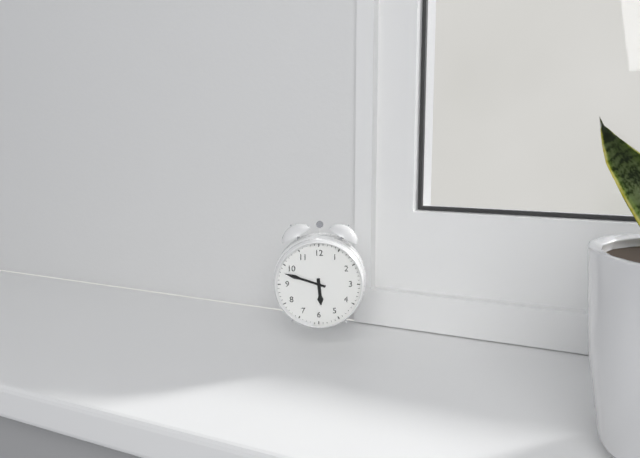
5h48
